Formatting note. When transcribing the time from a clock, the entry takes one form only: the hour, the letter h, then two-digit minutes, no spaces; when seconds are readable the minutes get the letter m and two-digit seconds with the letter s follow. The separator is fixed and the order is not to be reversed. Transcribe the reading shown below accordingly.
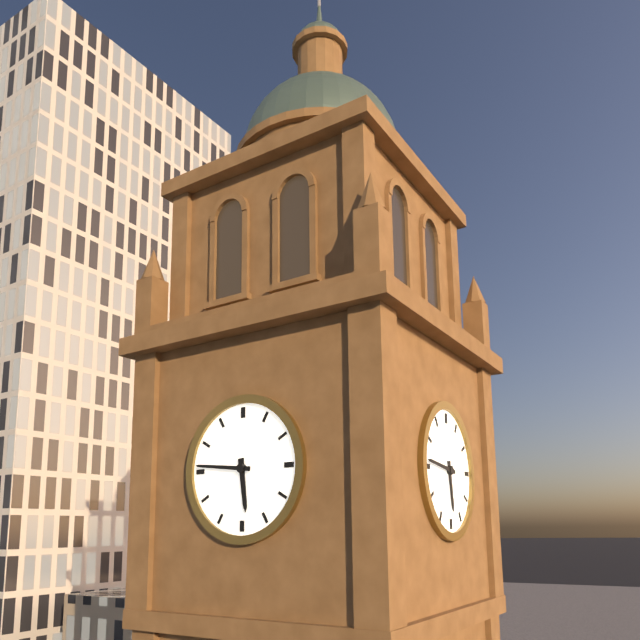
5h46
